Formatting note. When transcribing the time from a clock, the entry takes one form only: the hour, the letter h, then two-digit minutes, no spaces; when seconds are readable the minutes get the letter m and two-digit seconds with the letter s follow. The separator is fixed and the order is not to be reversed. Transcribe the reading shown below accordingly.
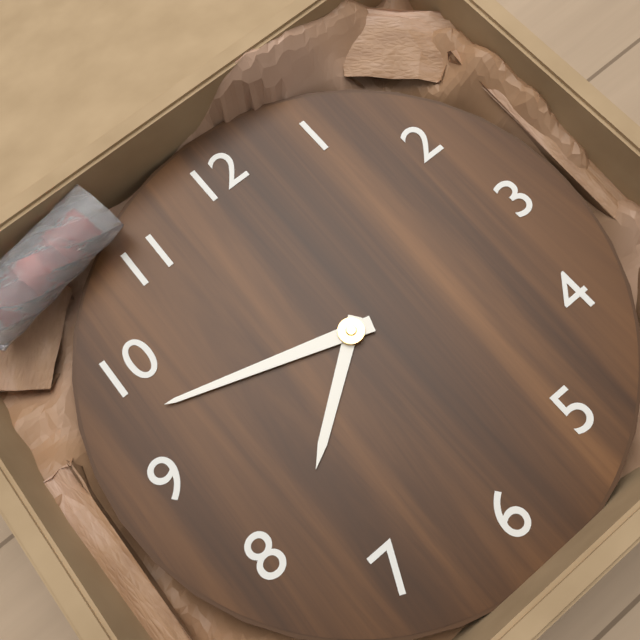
7h48
